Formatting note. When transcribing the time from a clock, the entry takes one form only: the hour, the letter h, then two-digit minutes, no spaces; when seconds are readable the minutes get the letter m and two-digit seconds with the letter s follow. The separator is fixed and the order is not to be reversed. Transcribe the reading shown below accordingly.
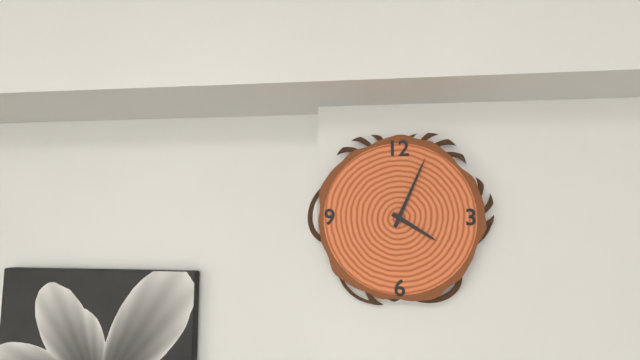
4h04
